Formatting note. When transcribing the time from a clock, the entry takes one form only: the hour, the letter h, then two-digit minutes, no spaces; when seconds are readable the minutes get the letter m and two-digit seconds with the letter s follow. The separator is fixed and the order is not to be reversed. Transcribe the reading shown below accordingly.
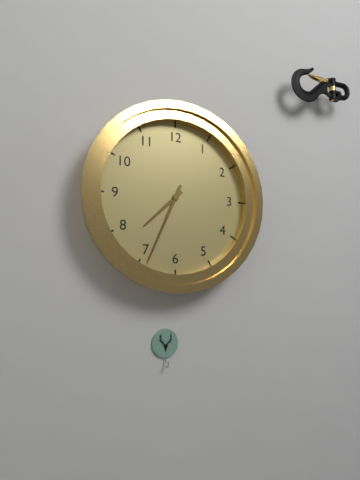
7h34
